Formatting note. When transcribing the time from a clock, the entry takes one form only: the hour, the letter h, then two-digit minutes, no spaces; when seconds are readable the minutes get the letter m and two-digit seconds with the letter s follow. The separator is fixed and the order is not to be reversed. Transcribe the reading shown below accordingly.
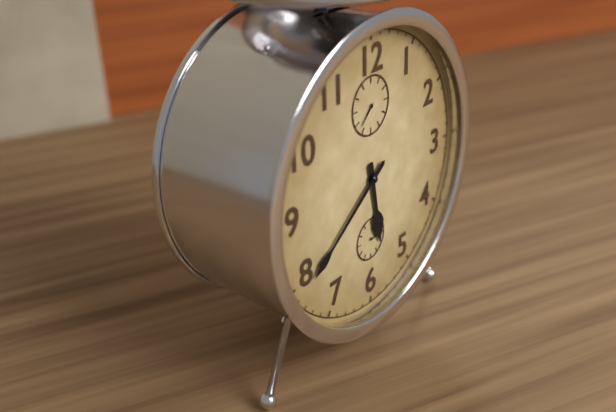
5h39
